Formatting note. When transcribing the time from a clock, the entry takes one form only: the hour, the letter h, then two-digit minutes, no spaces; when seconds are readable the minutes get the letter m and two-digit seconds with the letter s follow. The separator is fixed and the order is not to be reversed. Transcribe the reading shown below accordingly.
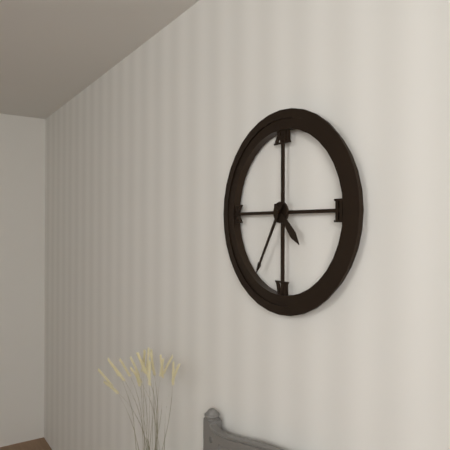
4h35
